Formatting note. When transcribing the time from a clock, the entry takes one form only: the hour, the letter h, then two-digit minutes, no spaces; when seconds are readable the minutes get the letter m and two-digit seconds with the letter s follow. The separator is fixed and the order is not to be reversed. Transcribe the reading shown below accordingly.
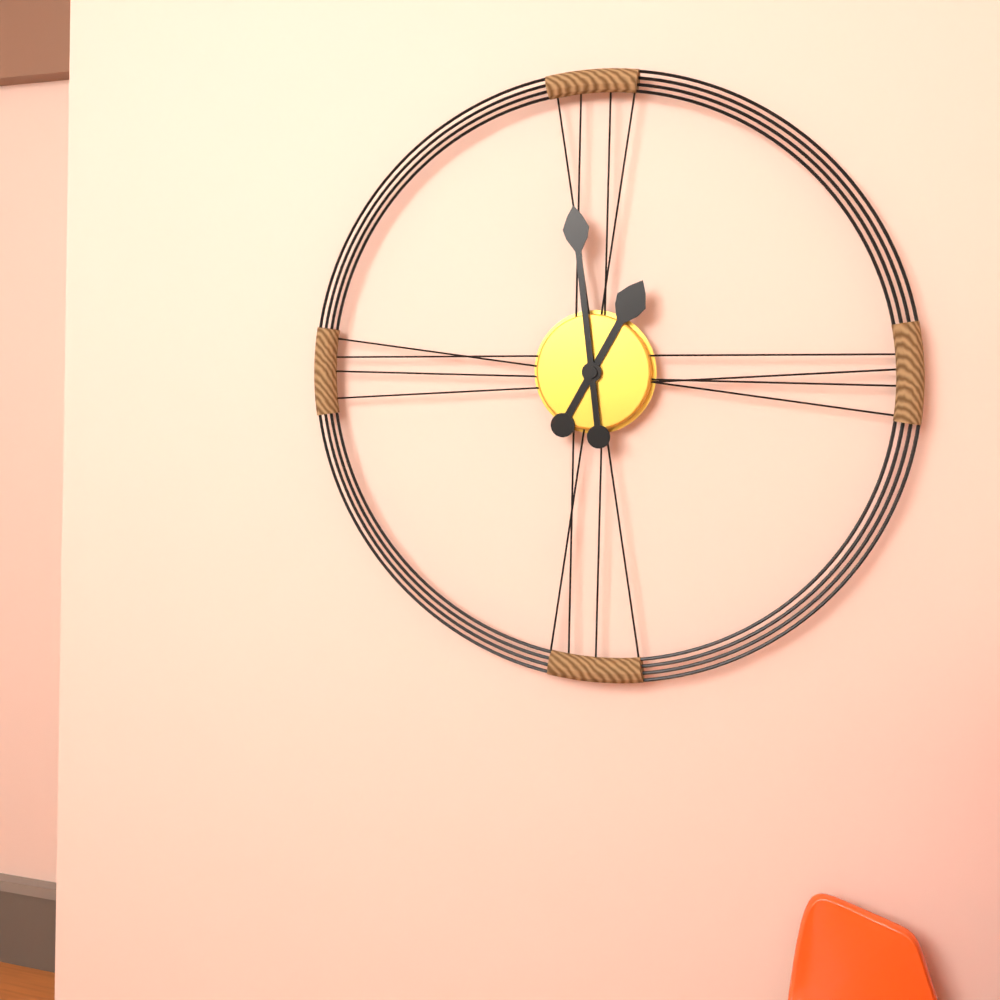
12h59
